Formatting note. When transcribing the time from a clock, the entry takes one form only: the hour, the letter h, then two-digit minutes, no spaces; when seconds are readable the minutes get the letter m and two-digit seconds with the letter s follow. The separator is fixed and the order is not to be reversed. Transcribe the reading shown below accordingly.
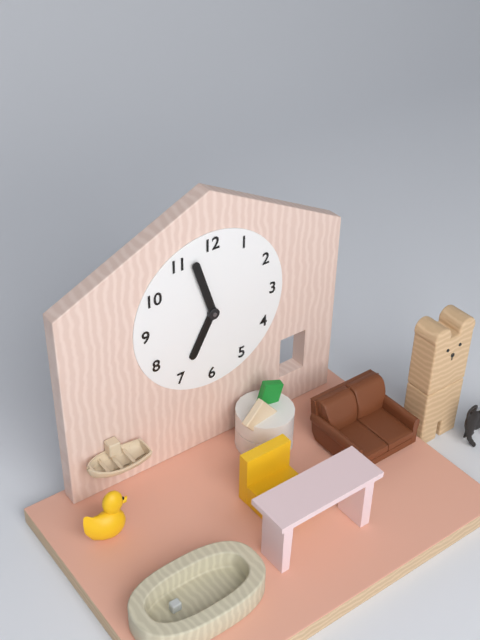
6h57
